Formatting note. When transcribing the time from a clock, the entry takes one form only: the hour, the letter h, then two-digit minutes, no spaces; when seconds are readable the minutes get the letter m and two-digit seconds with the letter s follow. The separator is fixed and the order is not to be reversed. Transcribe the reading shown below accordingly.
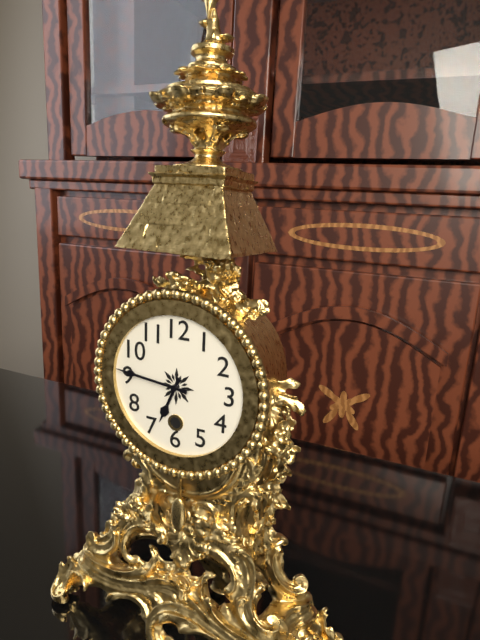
6h46
